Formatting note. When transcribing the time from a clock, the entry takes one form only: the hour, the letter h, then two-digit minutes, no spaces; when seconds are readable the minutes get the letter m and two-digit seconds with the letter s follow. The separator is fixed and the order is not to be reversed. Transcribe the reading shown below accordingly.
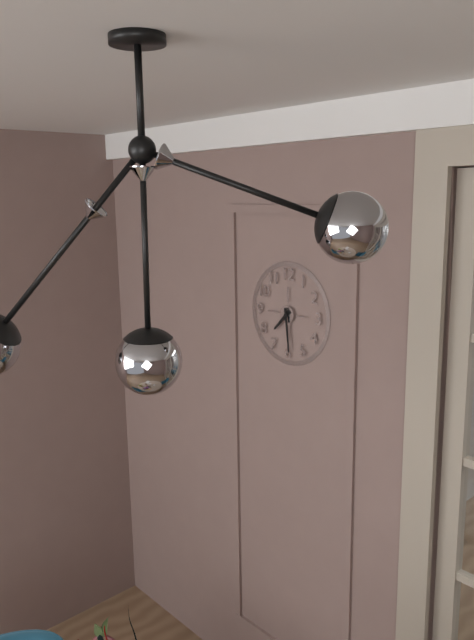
7h29
